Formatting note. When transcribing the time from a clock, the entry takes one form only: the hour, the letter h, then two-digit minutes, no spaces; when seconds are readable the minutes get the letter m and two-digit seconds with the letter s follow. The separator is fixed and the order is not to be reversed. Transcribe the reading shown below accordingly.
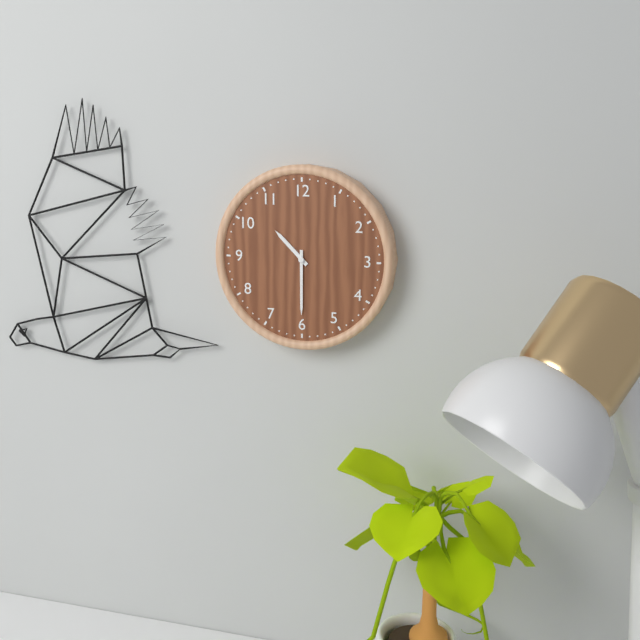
10h30
